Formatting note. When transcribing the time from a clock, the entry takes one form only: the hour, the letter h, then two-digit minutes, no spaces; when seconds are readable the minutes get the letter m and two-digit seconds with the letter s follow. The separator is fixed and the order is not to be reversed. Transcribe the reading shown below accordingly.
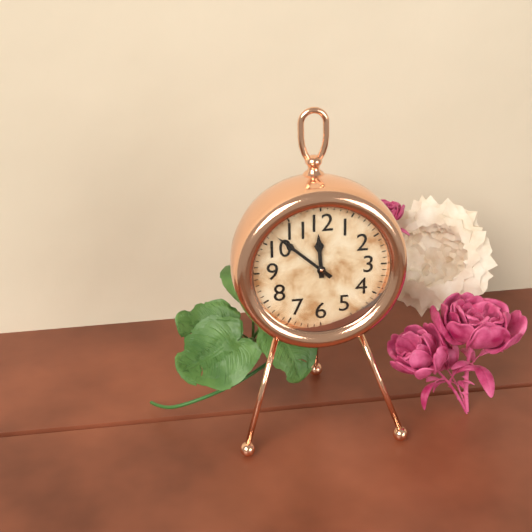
11h52
